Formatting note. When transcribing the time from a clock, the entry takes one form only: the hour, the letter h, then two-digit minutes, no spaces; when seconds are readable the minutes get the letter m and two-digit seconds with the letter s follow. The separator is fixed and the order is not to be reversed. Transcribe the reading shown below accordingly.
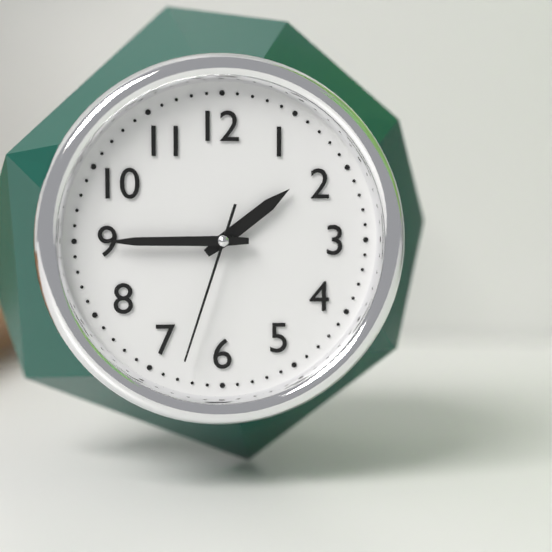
1h45m33s
